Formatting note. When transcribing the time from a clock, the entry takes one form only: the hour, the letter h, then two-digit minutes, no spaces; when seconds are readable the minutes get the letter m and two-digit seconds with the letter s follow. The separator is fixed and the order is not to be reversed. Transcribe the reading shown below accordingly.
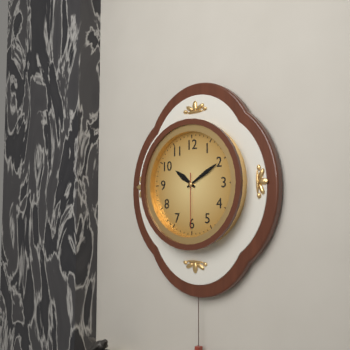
10h10m30s
